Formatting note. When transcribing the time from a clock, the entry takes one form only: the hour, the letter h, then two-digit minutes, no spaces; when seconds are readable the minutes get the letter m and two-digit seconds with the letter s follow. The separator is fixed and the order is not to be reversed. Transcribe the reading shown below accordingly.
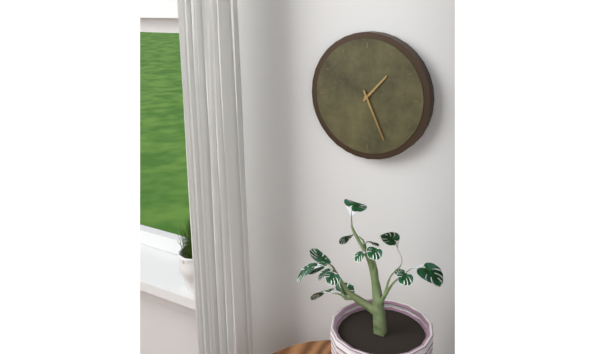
1h26
